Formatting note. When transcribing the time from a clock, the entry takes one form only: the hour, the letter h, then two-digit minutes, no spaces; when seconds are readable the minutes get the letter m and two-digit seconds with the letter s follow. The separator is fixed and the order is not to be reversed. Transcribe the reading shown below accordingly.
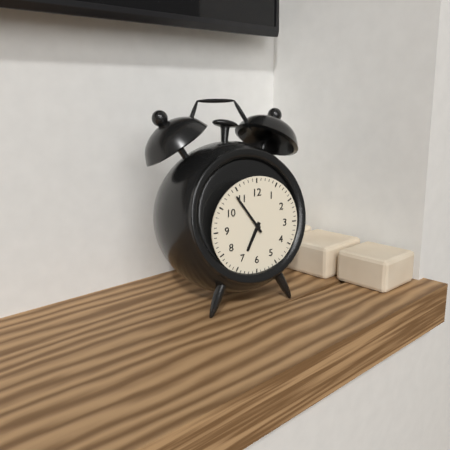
6h54
